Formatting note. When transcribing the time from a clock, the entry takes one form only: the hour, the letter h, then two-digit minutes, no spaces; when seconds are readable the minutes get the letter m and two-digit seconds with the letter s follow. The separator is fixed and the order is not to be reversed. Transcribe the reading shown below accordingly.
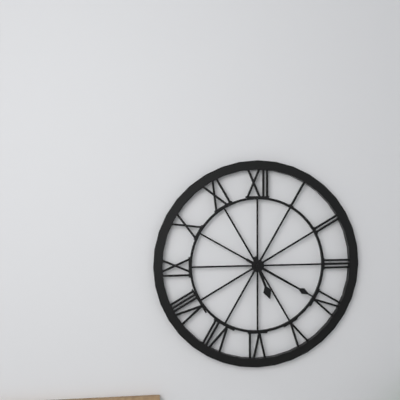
5h20
